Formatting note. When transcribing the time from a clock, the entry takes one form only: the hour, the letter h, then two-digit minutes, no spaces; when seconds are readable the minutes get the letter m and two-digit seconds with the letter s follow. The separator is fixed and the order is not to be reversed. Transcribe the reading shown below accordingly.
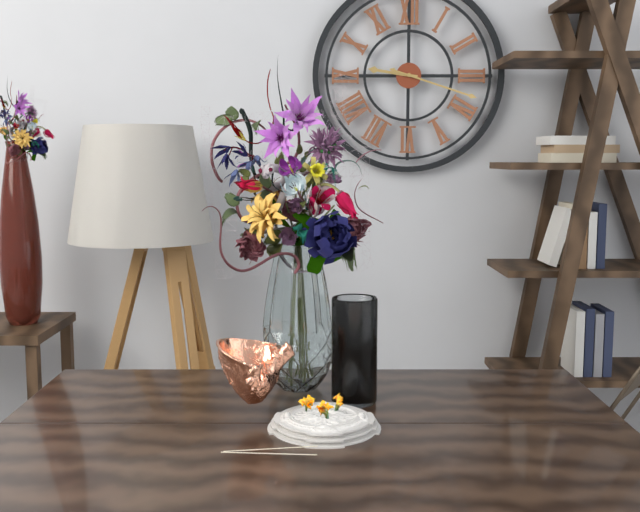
9h18
